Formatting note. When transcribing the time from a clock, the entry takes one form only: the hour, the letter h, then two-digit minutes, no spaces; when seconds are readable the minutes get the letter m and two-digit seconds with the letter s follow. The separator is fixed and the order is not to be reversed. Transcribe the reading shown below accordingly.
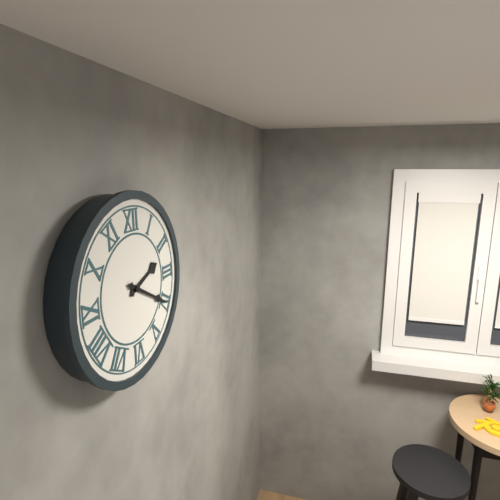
2h20
